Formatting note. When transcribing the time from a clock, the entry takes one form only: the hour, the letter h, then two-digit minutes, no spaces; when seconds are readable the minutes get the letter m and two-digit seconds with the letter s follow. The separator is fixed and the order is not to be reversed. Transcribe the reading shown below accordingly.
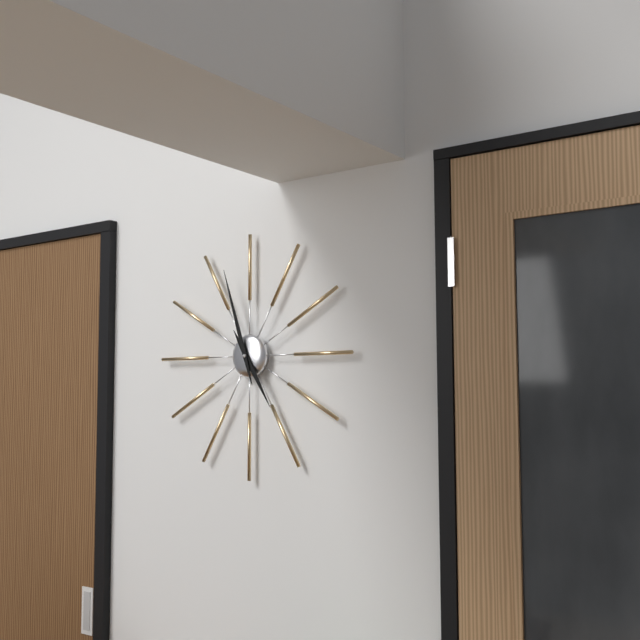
4h57
